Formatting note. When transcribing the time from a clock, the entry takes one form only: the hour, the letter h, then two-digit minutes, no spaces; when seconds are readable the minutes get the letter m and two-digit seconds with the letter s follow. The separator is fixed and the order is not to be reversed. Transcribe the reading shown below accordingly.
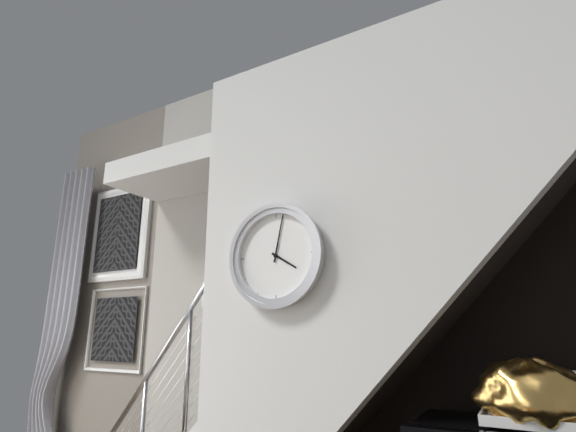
4h02
